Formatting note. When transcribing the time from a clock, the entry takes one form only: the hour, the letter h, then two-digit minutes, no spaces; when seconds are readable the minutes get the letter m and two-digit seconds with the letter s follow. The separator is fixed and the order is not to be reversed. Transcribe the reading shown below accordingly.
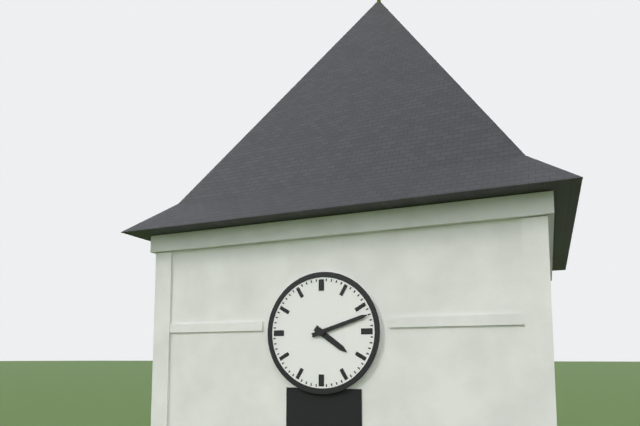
4h12
